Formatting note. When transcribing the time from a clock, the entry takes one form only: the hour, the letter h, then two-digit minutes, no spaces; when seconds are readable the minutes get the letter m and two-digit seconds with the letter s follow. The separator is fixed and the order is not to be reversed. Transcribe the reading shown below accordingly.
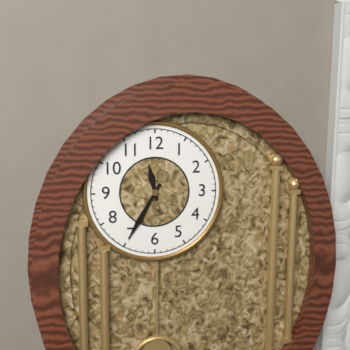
11h35
